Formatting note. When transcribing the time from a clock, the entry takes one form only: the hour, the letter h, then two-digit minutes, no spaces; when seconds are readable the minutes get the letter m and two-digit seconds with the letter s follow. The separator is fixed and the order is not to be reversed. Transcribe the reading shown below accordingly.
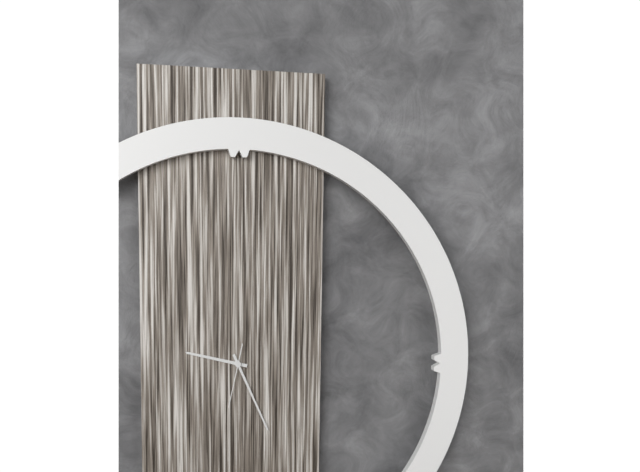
9h26m32s
